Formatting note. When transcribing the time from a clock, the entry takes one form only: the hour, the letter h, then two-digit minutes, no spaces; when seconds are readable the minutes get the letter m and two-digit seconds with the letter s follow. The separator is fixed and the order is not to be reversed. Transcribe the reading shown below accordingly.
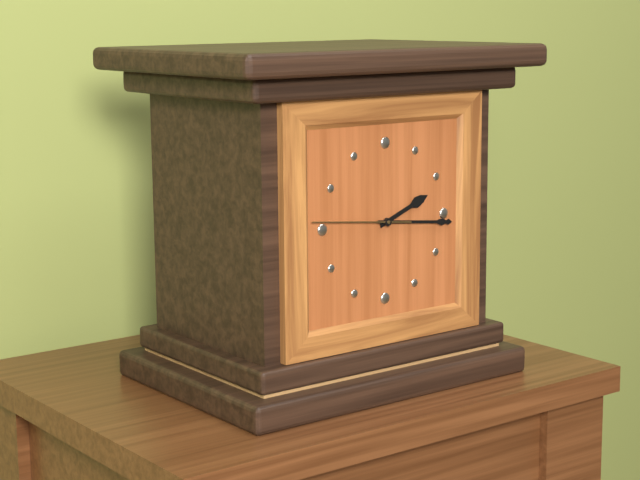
2h16m46s
